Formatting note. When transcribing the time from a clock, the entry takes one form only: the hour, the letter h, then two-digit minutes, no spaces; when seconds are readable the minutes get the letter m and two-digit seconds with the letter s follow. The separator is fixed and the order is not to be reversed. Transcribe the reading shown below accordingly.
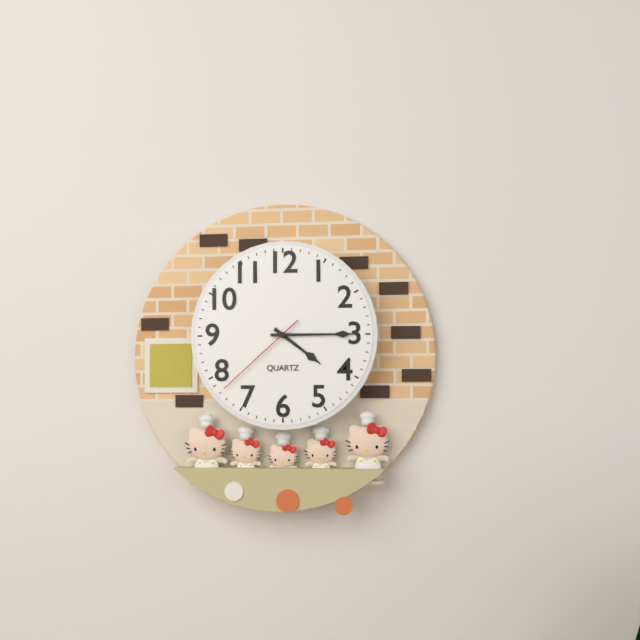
4h15m38s
